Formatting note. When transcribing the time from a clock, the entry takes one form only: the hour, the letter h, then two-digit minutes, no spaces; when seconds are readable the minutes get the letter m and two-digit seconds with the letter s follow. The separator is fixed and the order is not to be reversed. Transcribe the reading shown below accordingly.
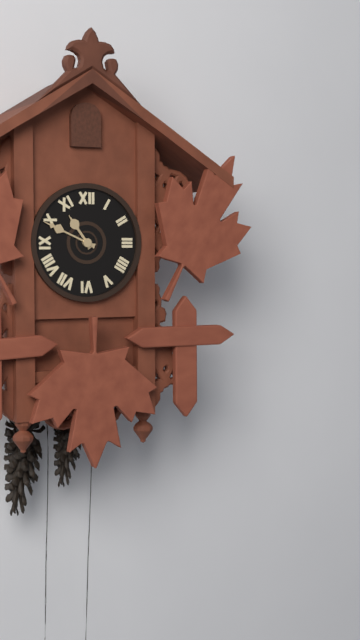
10h49
